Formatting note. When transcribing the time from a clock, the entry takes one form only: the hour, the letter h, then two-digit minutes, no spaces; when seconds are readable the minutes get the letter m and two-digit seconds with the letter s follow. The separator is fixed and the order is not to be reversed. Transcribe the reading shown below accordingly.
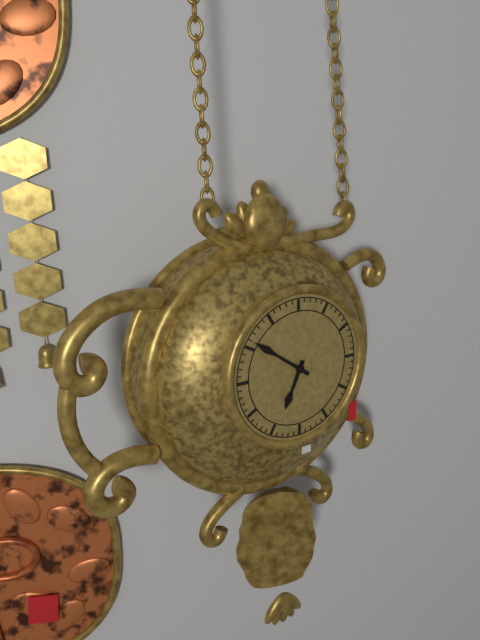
6h51
